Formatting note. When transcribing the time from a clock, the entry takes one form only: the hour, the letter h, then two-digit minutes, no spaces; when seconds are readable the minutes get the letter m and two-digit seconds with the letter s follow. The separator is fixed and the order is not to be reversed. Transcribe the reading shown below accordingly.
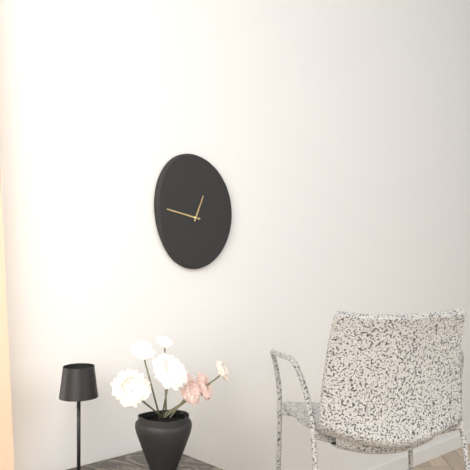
12h47
